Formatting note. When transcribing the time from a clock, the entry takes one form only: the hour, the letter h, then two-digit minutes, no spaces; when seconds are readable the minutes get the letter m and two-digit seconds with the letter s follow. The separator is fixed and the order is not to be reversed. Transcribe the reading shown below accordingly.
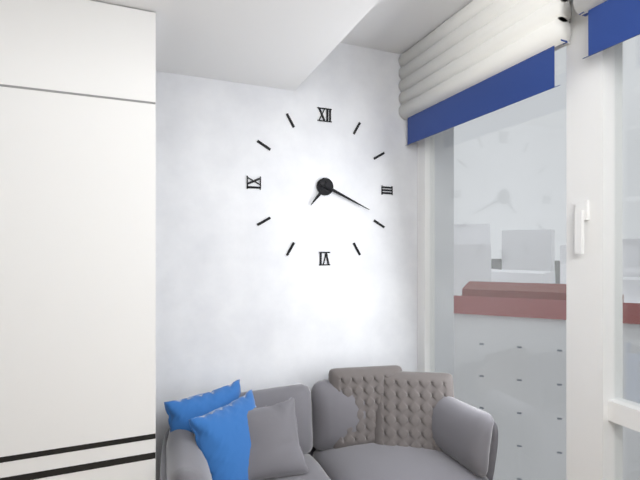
7h19
